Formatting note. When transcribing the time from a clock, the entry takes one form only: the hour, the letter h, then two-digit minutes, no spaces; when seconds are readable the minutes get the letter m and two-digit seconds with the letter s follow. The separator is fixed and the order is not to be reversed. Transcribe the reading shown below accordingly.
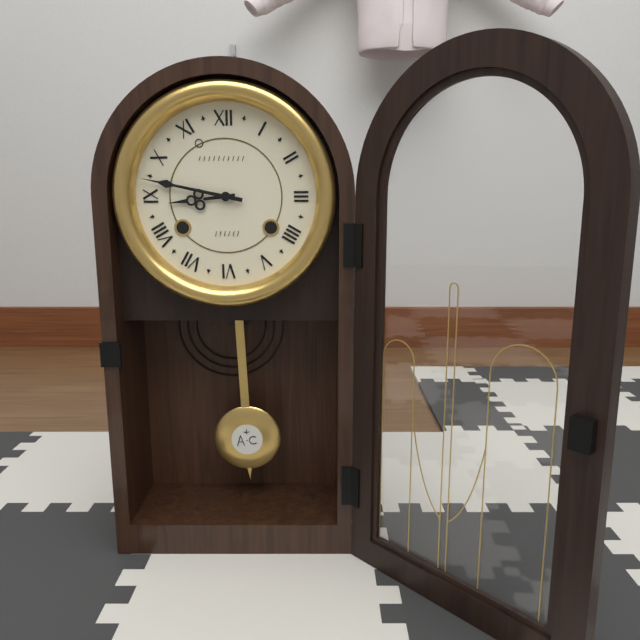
8h47
